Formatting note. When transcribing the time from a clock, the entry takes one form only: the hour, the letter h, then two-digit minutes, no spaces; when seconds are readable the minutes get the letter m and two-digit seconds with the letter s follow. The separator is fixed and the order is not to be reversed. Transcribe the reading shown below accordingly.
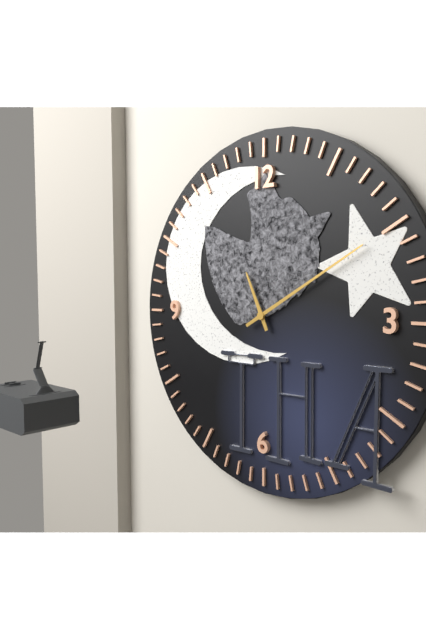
11h10
